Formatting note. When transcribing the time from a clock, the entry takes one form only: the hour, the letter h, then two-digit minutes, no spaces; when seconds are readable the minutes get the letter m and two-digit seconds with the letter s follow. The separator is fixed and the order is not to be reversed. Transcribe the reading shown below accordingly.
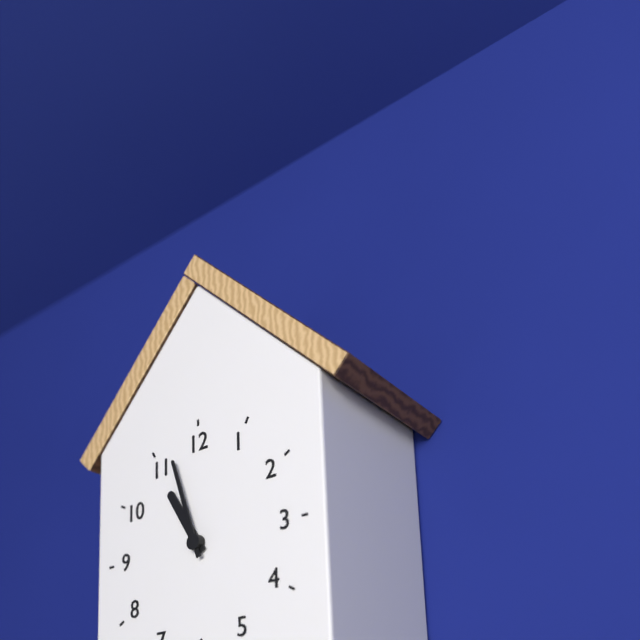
10h57
